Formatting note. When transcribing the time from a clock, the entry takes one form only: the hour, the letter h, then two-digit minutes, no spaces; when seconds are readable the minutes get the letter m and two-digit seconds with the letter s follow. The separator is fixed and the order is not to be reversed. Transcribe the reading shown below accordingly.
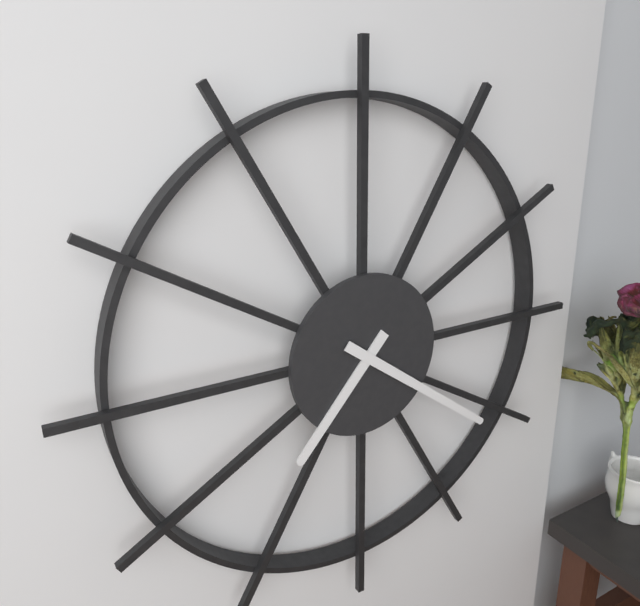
7h21
